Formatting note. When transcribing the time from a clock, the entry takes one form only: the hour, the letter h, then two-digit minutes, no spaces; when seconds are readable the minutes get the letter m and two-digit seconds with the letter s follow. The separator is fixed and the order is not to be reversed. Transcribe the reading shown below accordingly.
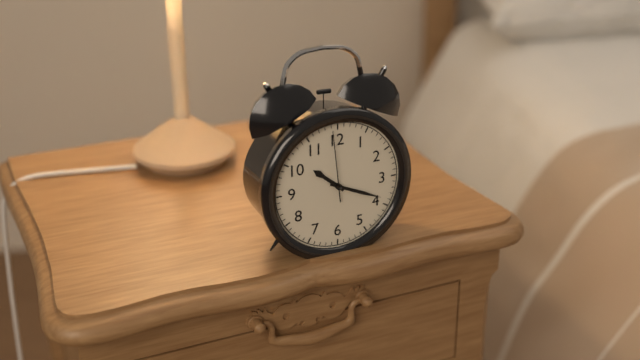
10h19m59s
